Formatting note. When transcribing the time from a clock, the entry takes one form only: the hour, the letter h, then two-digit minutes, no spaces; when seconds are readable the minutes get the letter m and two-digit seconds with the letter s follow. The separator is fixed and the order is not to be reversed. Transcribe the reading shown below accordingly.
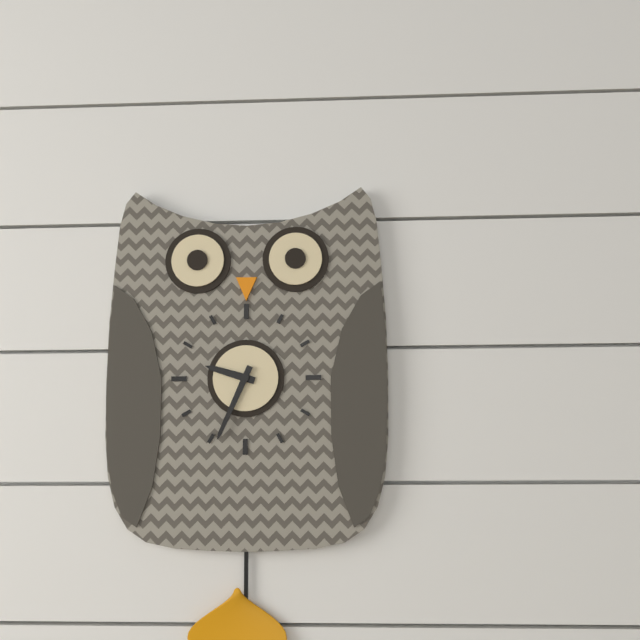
9h34
